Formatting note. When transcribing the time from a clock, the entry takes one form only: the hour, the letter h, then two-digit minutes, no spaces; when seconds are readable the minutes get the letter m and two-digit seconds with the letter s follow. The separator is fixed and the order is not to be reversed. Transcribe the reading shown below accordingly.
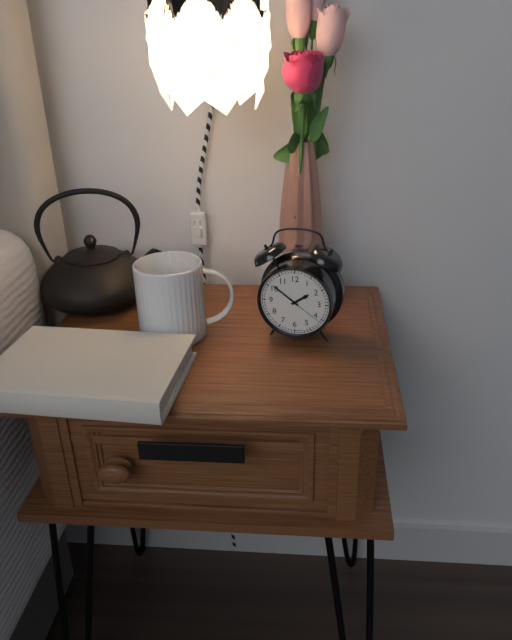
1h51
